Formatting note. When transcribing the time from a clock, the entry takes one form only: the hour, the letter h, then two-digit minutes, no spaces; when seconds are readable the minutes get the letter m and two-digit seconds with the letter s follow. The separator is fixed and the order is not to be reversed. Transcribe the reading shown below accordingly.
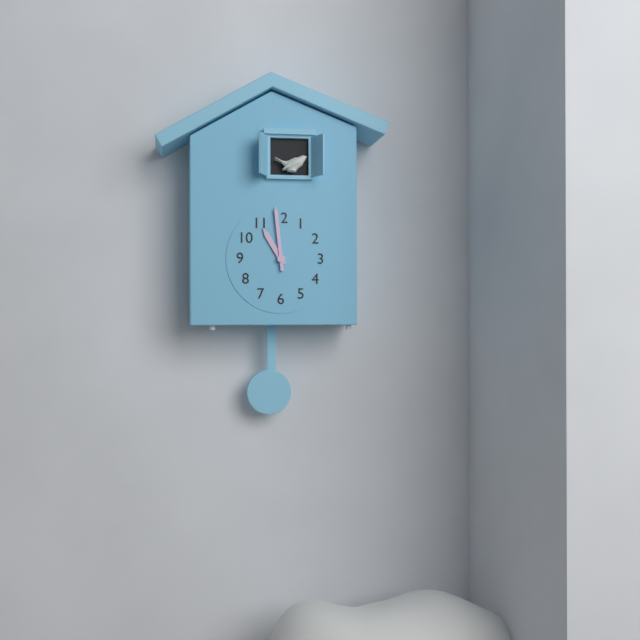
10h59
